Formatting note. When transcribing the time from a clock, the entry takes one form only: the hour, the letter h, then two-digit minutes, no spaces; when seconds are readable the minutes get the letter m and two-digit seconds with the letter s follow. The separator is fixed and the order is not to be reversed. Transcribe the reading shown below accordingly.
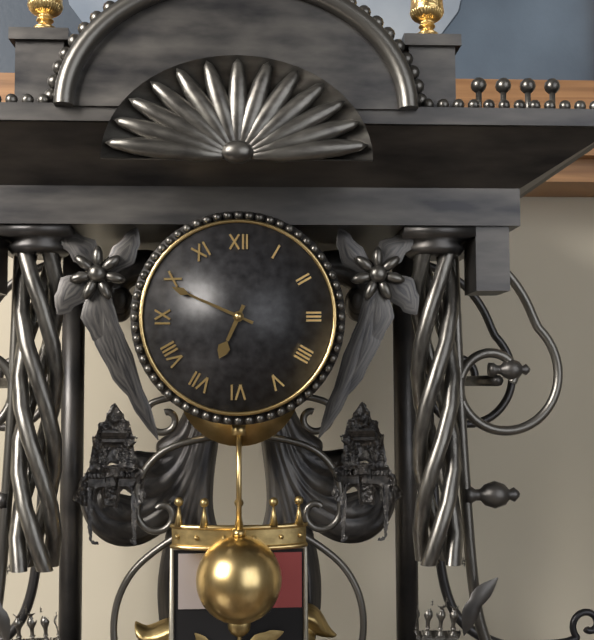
6h49
